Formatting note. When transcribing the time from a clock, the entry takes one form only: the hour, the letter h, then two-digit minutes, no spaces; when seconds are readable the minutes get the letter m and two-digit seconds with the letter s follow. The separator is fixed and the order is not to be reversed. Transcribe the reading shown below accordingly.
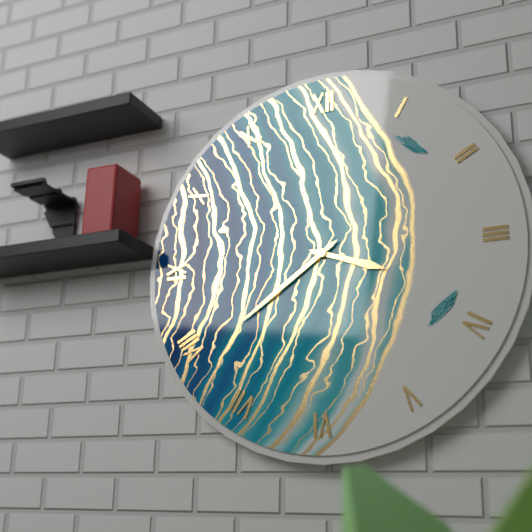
3h39
